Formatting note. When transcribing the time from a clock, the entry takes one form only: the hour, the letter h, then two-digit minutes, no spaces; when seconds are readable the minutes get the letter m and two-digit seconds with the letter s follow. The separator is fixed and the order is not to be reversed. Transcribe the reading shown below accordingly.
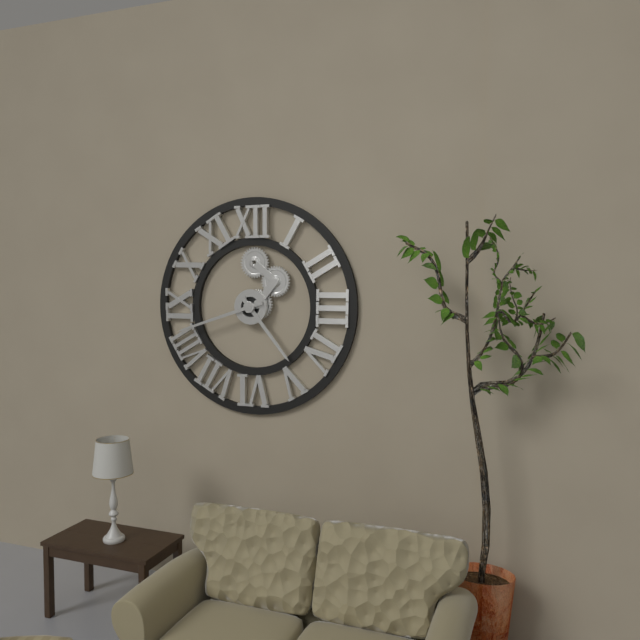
4h42
